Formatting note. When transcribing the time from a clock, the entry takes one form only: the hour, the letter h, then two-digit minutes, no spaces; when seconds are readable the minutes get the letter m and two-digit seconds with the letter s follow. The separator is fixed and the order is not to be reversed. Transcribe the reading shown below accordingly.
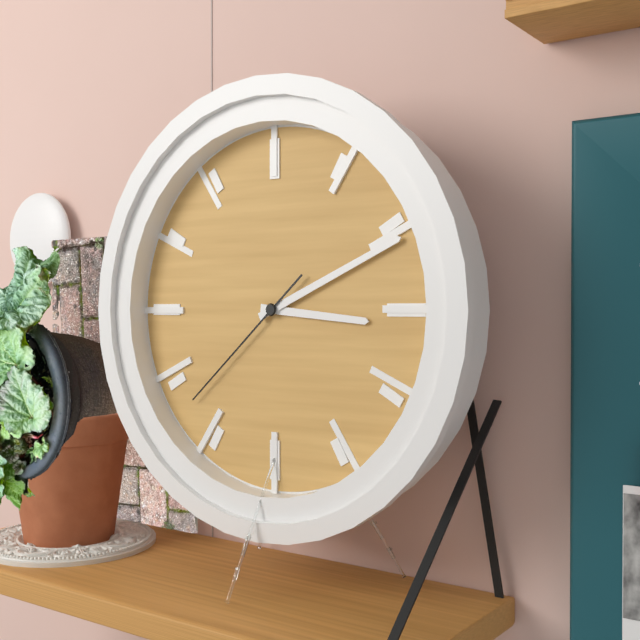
3h11m38s
